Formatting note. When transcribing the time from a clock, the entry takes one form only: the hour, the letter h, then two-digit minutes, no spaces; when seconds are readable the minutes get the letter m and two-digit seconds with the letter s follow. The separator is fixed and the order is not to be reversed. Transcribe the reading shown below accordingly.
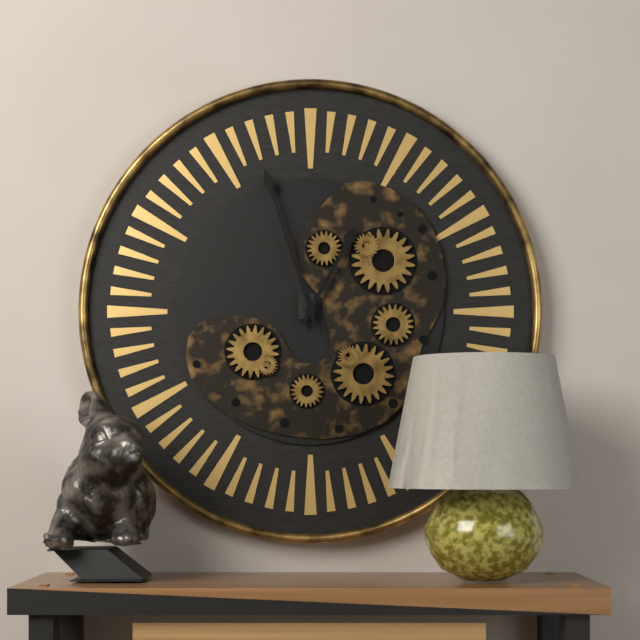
12h57
